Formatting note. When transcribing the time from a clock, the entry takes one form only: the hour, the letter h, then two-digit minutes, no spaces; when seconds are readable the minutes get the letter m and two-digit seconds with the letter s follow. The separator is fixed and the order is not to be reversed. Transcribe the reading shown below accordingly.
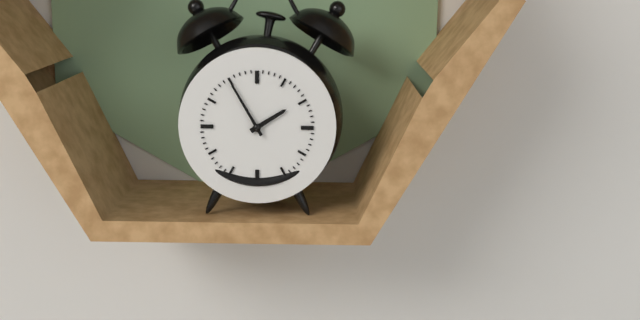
1h55
